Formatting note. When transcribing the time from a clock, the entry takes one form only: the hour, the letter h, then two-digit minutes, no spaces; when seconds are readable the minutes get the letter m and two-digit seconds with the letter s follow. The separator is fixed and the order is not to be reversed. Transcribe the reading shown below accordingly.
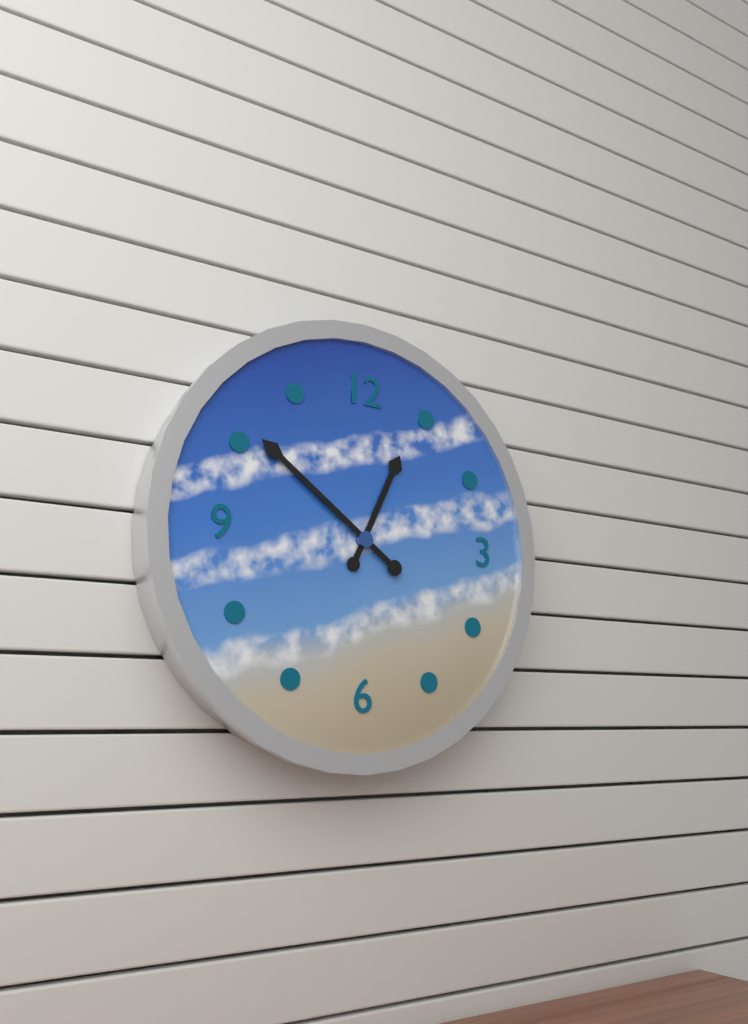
12h51
